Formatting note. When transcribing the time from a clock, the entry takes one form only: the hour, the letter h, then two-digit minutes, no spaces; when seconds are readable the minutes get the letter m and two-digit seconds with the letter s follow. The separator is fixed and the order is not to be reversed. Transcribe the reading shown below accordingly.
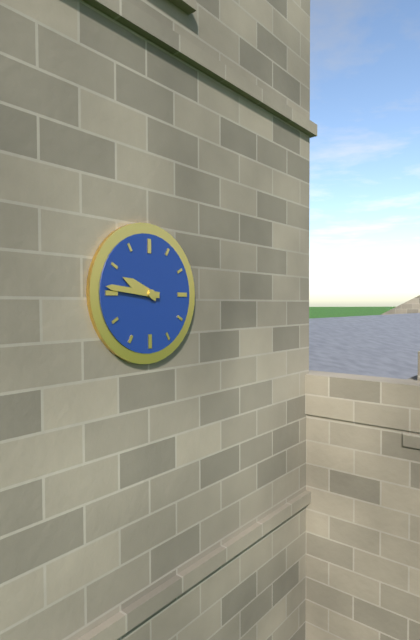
9h46
